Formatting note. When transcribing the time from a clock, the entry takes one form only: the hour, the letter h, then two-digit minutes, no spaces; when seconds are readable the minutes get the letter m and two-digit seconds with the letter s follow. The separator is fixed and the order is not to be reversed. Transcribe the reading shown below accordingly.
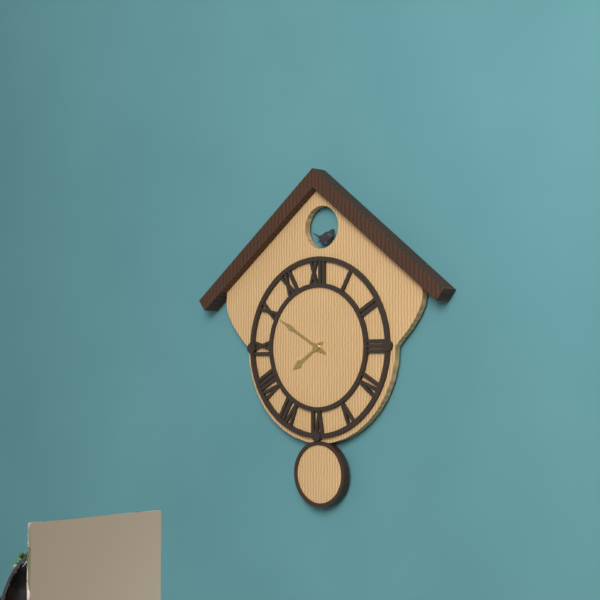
7h50
